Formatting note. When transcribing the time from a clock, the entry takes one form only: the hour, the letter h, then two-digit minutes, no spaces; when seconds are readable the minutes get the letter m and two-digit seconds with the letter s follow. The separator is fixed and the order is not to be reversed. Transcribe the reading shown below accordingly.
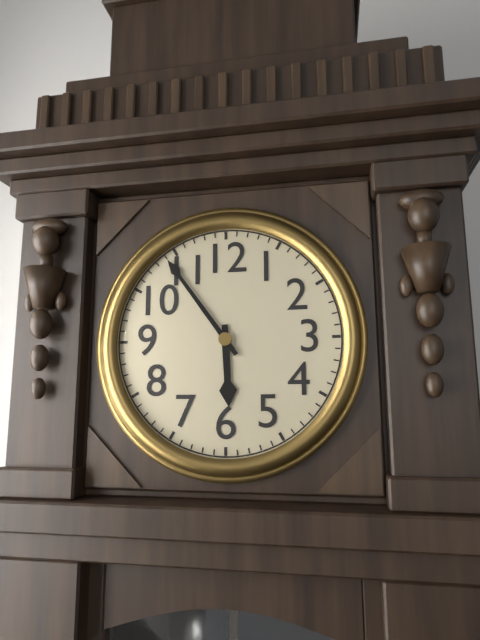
5h54
